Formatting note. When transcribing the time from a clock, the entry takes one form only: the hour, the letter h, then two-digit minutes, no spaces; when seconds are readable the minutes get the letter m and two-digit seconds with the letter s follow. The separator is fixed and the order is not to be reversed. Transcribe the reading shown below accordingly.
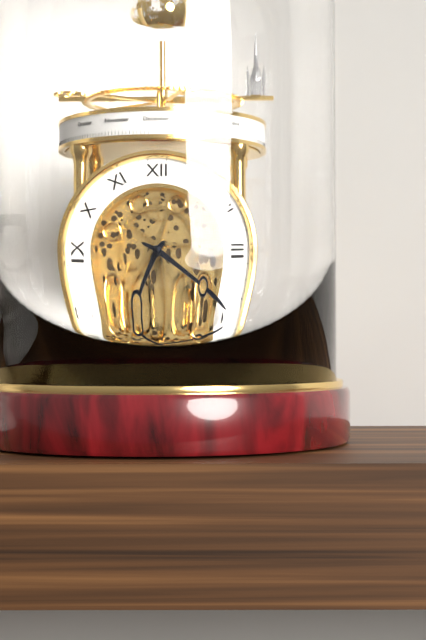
7h19
